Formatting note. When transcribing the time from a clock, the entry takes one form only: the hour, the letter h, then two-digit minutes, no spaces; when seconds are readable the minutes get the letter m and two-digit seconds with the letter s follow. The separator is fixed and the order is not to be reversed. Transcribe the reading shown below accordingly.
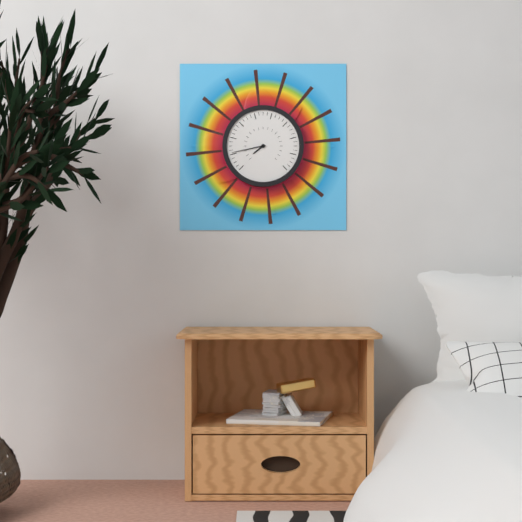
7h43
